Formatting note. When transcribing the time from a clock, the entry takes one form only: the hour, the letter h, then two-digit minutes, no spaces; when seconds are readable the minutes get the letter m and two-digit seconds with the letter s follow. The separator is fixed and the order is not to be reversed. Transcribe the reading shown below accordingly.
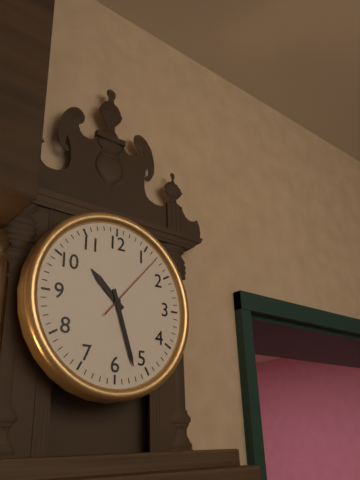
10h27m07s
